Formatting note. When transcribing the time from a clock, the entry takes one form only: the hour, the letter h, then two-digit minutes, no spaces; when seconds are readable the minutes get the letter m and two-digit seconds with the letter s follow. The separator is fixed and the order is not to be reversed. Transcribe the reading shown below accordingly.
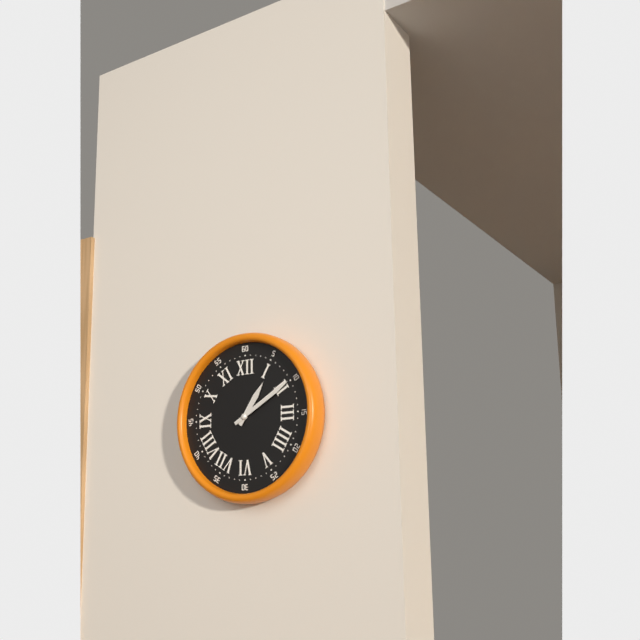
1h10
